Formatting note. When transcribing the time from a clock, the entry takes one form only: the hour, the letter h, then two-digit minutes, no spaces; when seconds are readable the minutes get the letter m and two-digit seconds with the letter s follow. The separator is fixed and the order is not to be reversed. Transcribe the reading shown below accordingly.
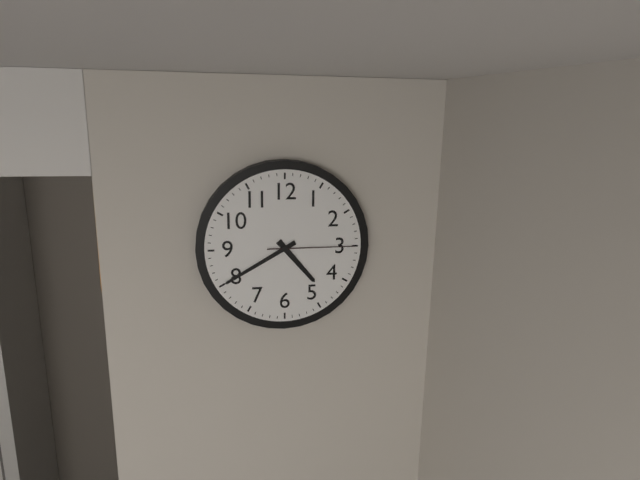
4h40m15s
